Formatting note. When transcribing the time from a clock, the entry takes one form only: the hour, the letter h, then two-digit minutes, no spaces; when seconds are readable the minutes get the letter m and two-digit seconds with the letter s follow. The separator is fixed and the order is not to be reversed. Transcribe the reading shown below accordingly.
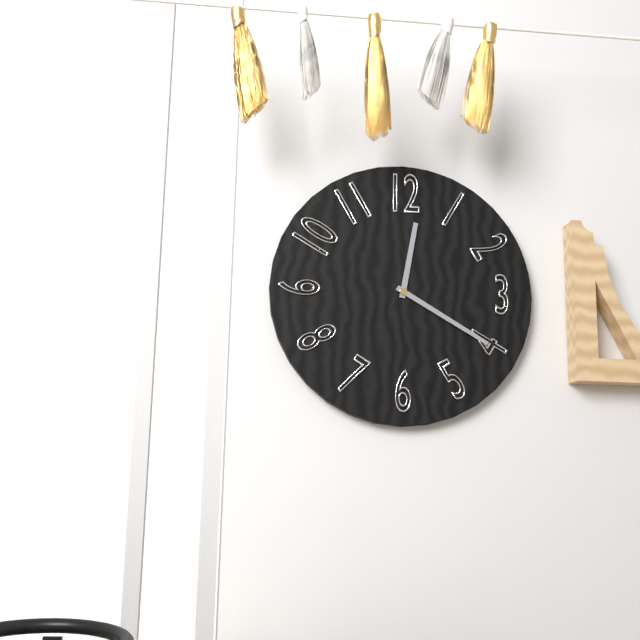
12h20
